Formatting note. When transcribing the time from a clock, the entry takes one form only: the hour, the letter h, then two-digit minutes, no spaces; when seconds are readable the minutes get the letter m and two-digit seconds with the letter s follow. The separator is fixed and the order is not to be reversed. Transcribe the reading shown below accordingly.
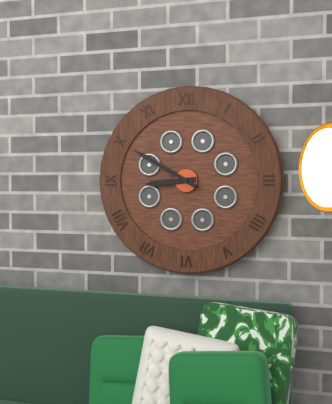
8h50
